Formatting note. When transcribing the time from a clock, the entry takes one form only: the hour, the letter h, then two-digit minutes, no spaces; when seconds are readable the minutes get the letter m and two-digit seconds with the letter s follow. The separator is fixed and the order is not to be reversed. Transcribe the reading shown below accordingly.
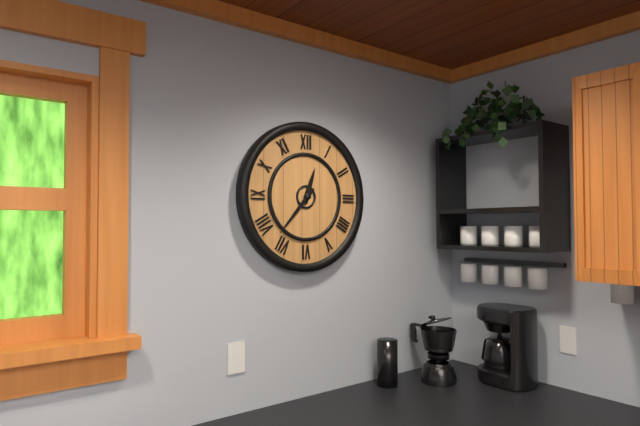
12h37
